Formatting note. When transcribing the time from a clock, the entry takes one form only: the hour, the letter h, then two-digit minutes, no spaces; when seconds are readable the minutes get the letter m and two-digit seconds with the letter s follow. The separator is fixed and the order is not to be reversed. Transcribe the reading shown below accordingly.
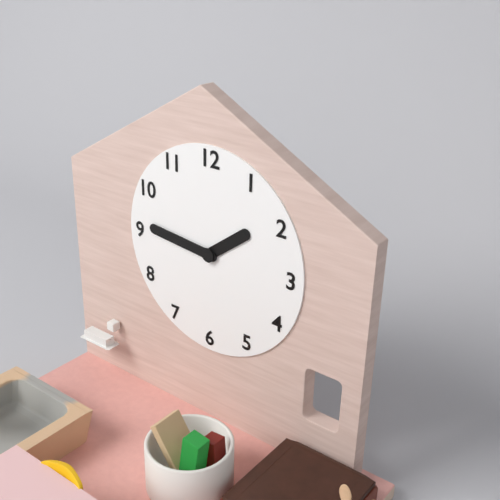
1h46
